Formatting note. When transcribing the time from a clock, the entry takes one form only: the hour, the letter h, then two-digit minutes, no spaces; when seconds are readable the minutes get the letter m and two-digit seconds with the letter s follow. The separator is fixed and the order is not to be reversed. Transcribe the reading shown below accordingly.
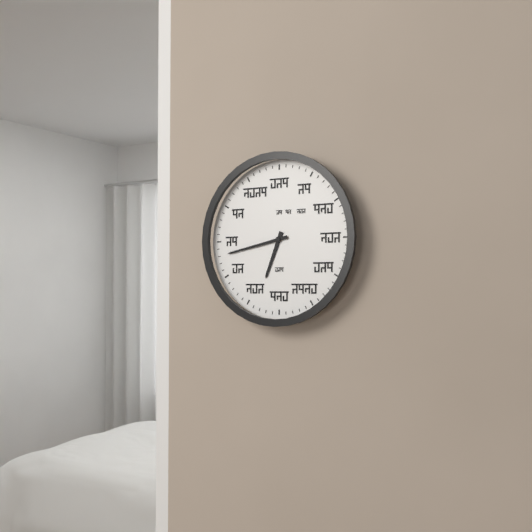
6h43
